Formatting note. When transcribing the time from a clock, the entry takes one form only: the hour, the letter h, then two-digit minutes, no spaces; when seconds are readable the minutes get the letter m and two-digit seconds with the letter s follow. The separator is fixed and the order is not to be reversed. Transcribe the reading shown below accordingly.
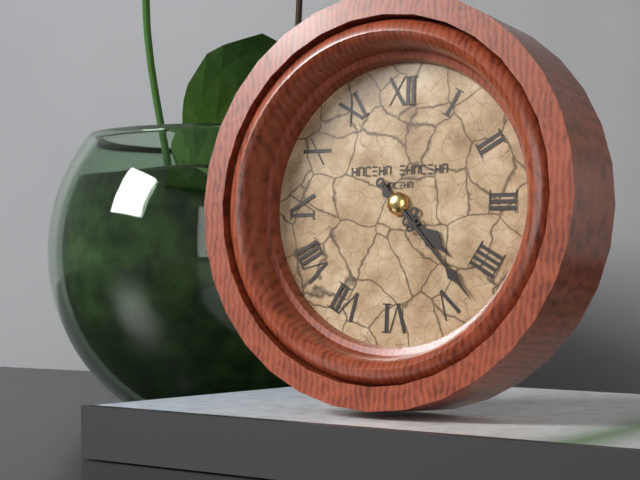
4h23
